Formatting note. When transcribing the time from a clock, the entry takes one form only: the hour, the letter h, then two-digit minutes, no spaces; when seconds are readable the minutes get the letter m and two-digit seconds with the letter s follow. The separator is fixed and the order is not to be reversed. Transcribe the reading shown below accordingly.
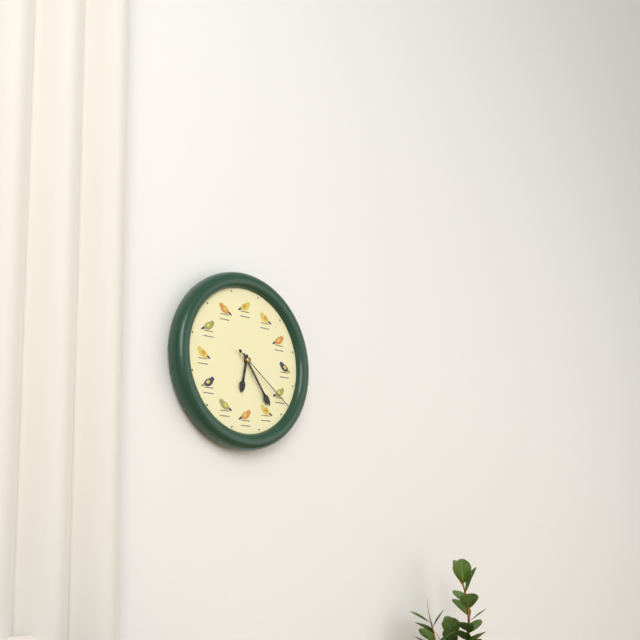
6h24m21s
